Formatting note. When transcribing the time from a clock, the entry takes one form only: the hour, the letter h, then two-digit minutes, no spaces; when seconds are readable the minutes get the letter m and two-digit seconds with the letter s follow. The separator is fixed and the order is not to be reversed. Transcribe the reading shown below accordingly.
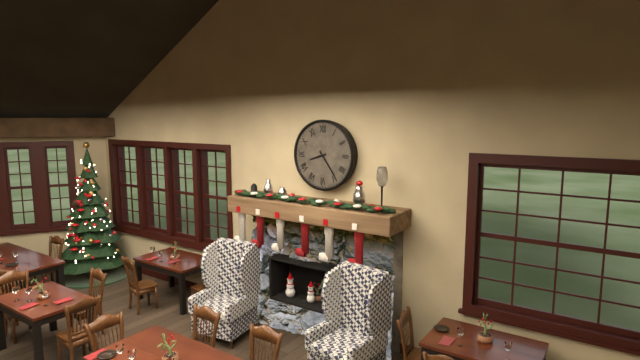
8h24
